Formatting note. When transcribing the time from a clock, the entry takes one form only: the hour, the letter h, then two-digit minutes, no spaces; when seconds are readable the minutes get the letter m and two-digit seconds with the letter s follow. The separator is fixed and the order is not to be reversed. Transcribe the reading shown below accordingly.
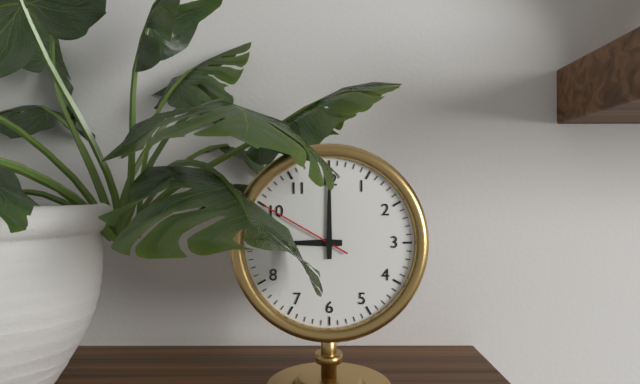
9h00m50s
